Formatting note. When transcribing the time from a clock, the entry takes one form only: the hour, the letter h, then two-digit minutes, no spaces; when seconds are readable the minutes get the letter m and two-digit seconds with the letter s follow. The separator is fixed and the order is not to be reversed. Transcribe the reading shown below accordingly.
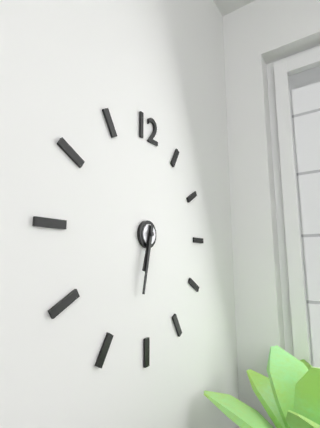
6h32
